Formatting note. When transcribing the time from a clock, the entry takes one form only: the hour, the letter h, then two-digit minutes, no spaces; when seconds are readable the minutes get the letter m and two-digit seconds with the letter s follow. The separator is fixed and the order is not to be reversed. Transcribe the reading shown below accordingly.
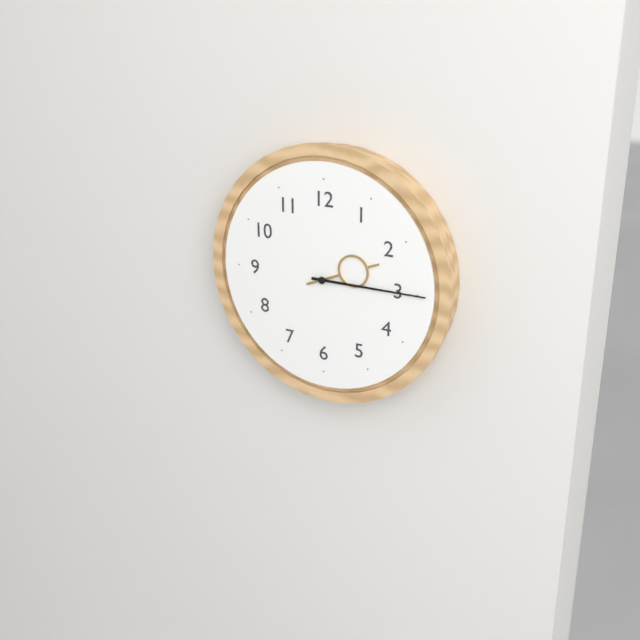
2h15
